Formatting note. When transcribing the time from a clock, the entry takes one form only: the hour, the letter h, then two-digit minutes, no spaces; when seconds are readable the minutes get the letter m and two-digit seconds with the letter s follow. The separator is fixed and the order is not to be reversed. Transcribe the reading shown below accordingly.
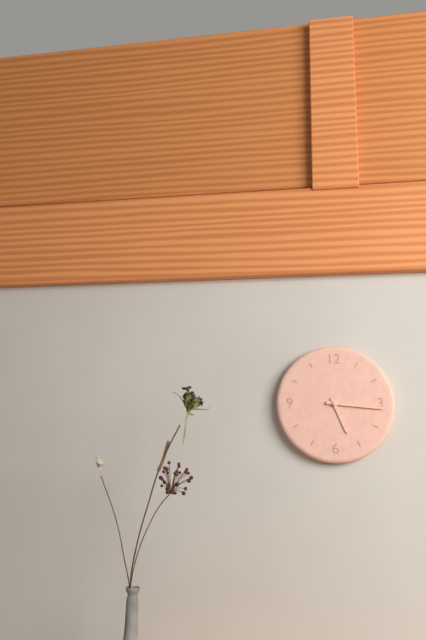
5h16
